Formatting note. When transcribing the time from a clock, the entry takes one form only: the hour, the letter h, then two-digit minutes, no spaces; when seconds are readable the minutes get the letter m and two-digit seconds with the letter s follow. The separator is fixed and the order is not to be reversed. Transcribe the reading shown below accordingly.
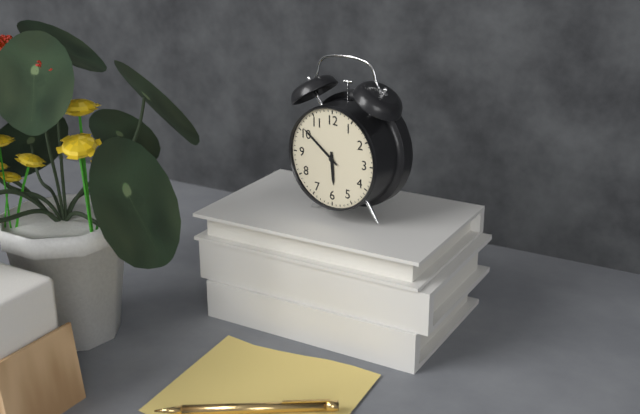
5h51
